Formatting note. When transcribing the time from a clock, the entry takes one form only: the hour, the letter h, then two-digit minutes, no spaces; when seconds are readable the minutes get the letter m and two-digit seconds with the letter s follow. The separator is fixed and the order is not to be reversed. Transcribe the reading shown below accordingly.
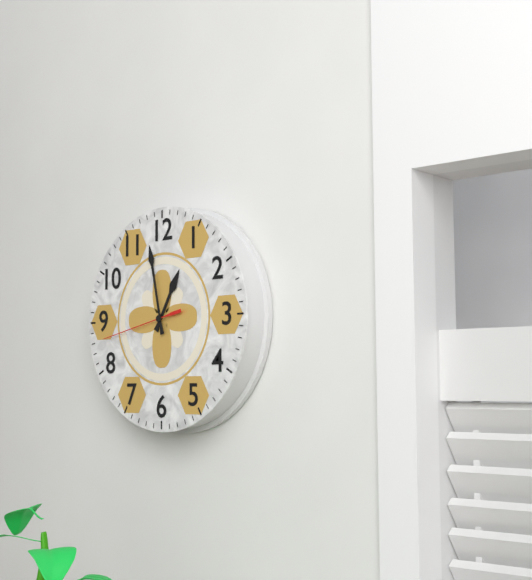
12h58m43s
